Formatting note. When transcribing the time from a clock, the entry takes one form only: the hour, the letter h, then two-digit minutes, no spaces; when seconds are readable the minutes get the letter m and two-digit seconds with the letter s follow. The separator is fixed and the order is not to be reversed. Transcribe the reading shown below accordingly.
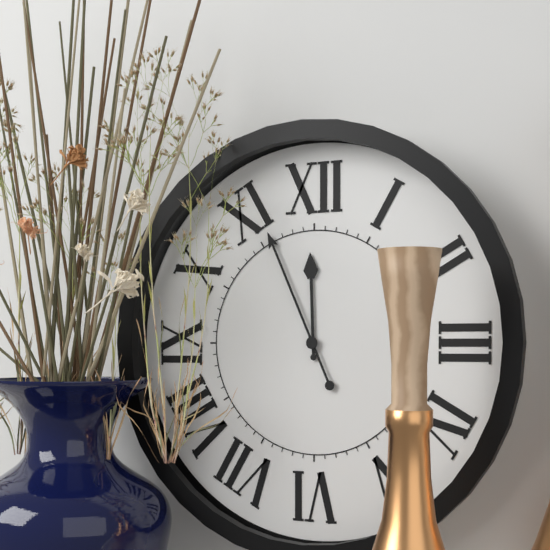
11h56
